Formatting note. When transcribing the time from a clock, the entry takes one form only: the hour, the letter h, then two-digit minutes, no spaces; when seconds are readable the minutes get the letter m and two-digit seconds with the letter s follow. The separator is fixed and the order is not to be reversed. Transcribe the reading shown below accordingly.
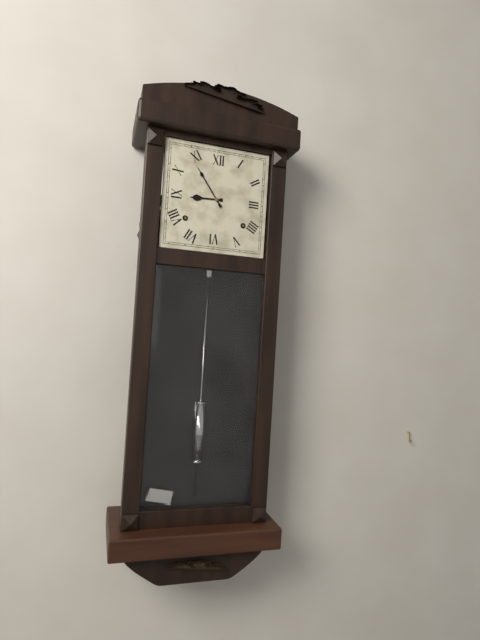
8h54
